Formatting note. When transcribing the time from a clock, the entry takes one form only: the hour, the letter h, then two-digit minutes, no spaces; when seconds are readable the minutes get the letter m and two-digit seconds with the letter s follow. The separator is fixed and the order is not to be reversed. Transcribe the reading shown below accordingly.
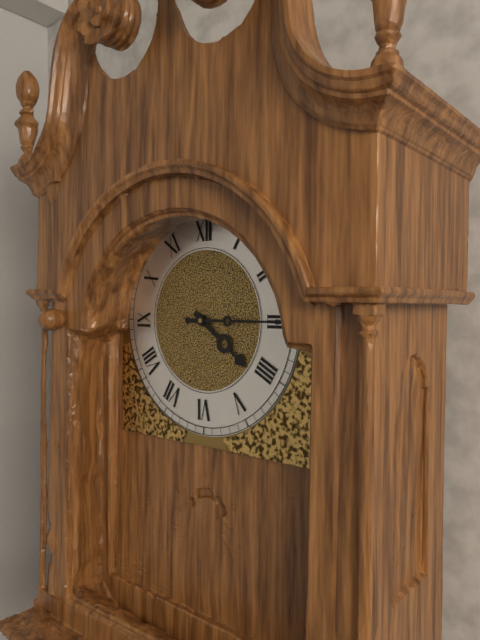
4h15
